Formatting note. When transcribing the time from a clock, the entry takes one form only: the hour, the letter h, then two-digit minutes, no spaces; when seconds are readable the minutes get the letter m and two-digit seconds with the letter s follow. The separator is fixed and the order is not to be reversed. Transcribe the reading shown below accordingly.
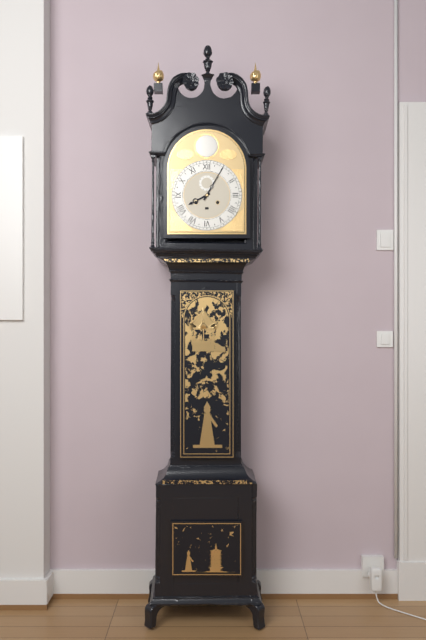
8h05
